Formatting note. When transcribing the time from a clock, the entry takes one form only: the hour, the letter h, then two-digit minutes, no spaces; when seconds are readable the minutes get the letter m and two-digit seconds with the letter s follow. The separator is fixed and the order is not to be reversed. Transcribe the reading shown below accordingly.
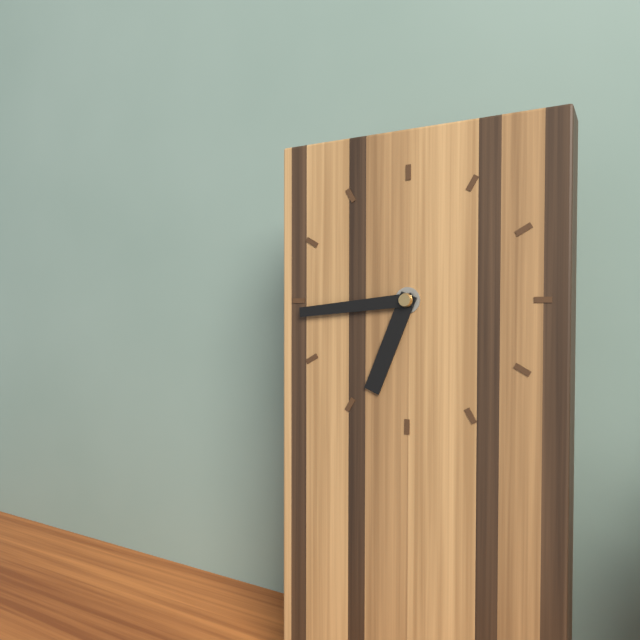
6h44
